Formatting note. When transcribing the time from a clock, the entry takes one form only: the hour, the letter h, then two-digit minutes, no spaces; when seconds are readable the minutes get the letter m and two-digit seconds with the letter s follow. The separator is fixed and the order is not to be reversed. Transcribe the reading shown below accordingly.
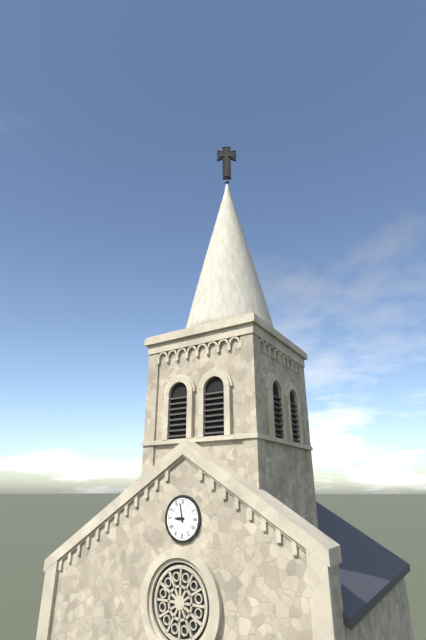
8h58
